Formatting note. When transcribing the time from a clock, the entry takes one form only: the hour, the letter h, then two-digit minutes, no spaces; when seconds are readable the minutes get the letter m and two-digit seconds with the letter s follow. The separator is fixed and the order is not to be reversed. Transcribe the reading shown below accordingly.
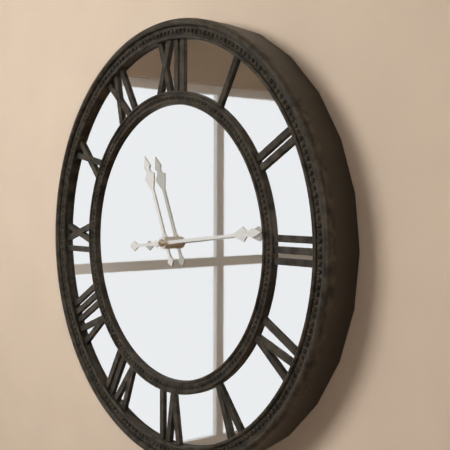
11h14
